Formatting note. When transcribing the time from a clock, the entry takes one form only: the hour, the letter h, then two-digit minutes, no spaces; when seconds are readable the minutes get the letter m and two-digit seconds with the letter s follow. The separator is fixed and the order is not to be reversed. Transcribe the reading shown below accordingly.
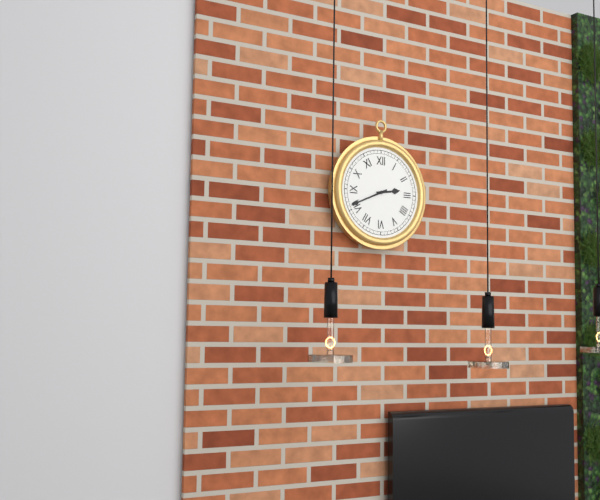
2h41
